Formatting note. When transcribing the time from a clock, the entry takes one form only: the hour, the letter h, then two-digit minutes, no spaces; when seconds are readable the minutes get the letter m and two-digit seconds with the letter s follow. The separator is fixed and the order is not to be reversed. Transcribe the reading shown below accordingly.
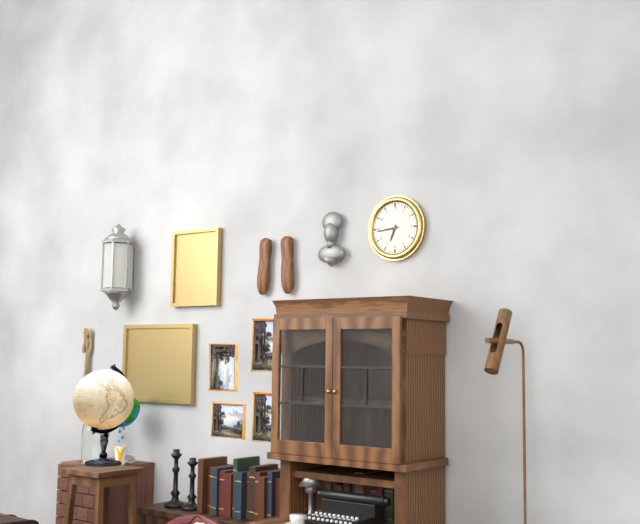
6h44
